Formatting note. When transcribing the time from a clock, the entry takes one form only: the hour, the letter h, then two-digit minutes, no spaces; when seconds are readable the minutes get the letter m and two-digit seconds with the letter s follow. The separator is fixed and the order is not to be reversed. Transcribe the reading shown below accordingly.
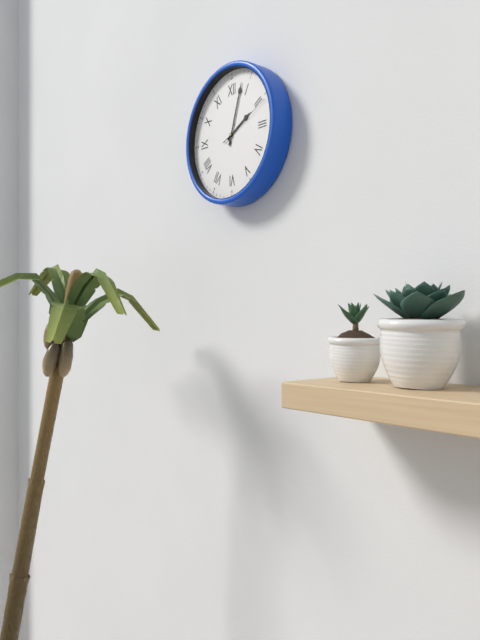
2h03m11s
